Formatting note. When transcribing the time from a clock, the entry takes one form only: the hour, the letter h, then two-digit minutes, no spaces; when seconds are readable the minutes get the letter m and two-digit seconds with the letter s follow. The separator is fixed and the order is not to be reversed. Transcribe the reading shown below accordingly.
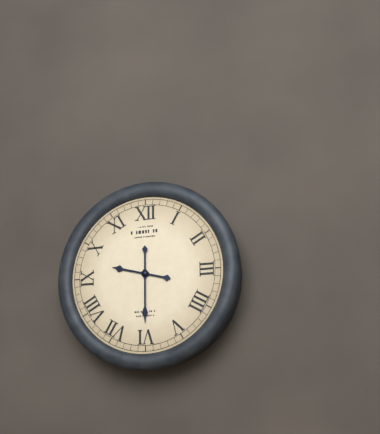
9h30
